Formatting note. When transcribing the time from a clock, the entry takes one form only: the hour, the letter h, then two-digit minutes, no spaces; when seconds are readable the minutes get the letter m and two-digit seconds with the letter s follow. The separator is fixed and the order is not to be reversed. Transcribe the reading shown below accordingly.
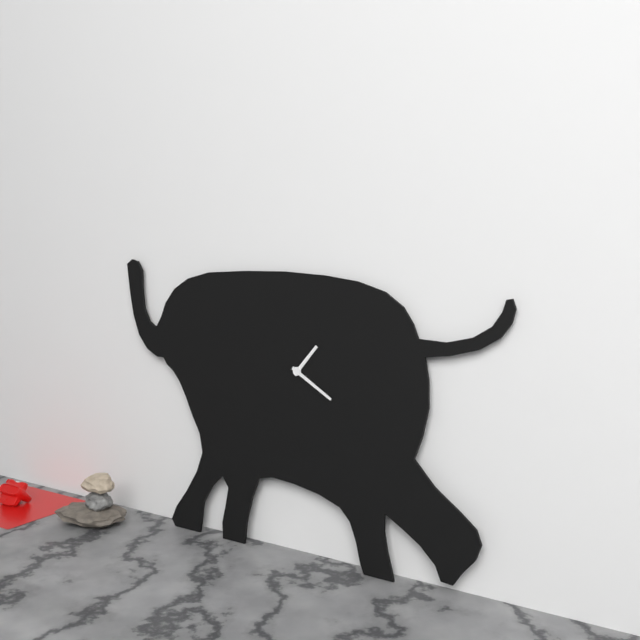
1h20
